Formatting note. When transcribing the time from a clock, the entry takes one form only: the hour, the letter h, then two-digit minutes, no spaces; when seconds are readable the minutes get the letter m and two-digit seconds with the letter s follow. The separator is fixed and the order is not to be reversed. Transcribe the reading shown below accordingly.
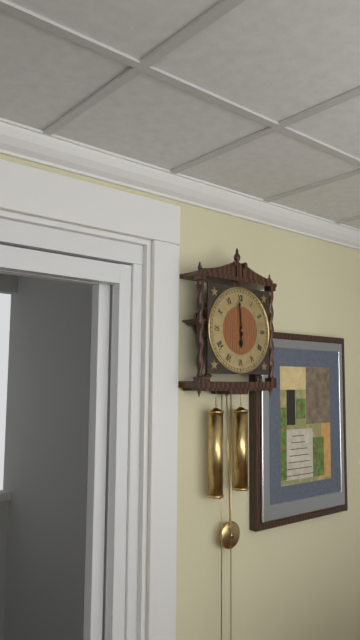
5h59
